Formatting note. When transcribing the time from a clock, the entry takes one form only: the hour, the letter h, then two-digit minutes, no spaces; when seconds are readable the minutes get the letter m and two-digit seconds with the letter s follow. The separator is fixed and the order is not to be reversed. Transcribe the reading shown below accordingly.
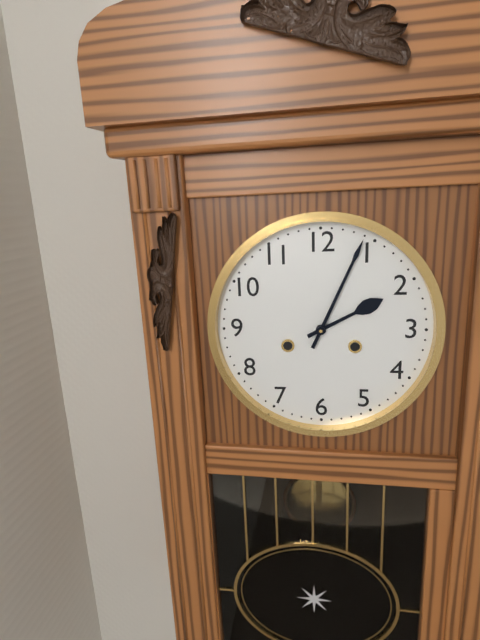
2h04
